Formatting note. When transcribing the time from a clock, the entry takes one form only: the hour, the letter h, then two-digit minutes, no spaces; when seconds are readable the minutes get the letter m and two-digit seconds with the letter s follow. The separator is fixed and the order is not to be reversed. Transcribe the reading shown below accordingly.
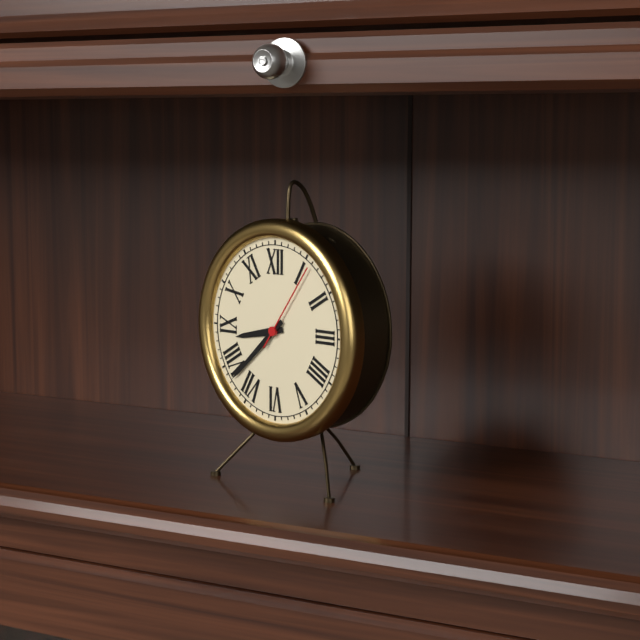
8h38m06s
